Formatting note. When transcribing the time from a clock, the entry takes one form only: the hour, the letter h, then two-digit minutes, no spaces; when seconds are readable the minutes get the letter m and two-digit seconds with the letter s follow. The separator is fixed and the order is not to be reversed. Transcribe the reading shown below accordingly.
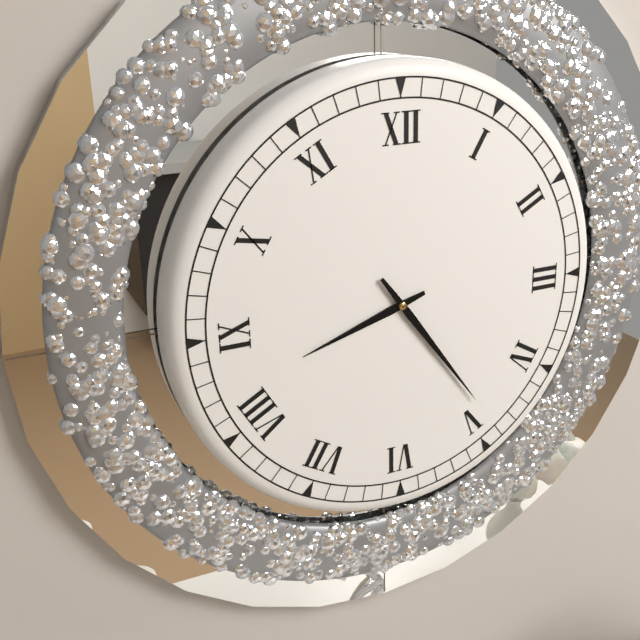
8h24
